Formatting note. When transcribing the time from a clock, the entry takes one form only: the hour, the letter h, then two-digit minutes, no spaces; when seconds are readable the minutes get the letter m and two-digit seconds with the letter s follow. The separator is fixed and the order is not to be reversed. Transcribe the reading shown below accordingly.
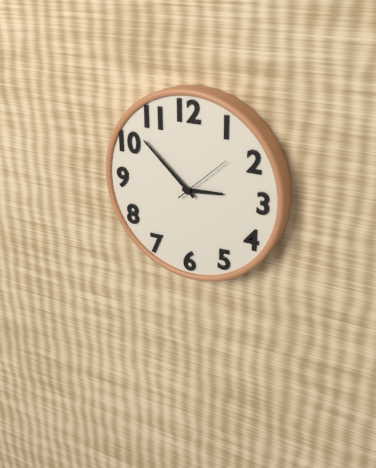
2h52
